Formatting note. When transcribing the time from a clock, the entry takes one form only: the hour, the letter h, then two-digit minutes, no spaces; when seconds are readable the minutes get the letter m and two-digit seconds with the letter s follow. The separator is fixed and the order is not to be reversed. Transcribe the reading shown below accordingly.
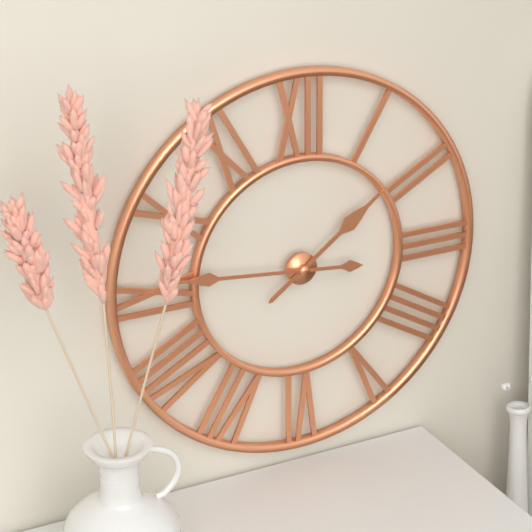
1h46
